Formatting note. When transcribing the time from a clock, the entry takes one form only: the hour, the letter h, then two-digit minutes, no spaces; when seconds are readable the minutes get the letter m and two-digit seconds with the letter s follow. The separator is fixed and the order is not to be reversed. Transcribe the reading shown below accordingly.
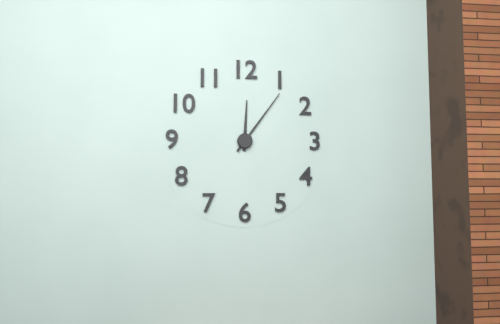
12h06
